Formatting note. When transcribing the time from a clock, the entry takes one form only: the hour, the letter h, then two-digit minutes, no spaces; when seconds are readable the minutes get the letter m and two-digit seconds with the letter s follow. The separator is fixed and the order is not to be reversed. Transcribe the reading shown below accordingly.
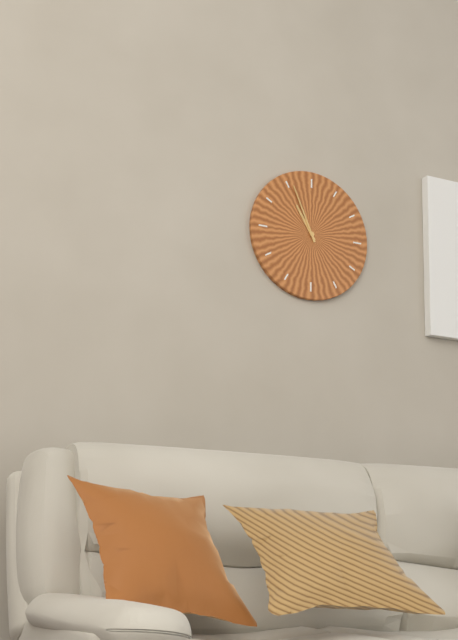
10h56
